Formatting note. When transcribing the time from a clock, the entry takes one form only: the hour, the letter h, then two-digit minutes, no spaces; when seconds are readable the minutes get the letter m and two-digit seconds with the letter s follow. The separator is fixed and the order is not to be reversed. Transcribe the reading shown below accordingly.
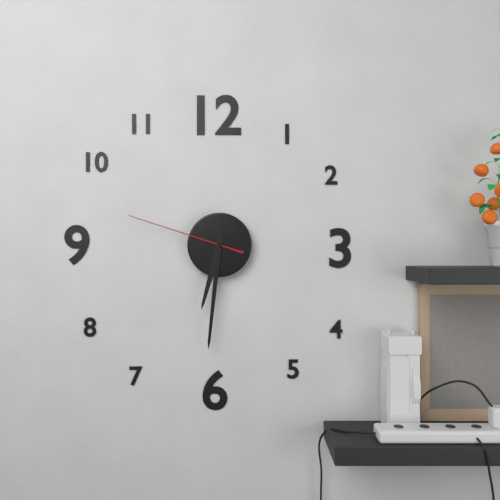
6h31m48s
